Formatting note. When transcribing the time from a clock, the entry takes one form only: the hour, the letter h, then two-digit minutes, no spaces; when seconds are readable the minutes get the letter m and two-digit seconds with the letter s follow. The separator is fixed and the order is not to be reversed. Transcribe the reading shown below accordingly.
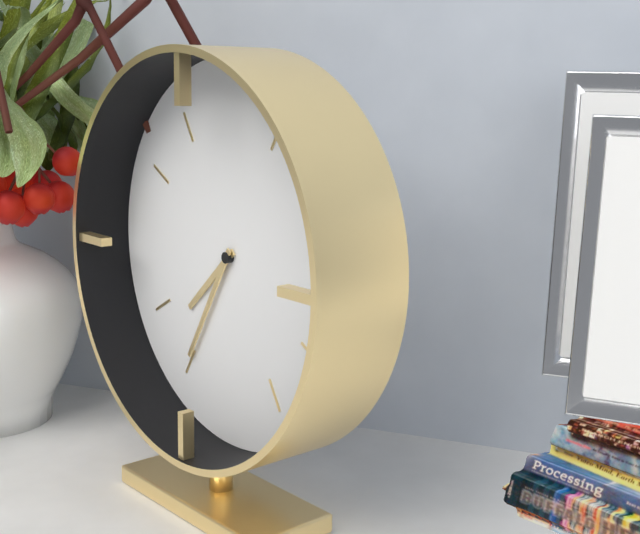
7h35
